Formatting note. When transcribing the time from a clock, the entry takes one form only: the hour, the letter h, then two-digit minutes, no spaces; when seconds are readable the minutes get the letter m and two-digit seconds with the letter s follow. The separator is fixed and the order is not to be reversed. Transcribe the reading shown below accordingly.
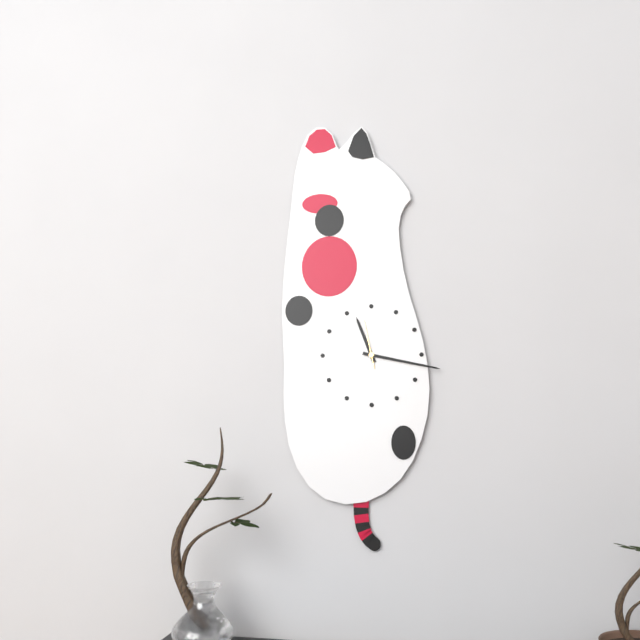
11h17
